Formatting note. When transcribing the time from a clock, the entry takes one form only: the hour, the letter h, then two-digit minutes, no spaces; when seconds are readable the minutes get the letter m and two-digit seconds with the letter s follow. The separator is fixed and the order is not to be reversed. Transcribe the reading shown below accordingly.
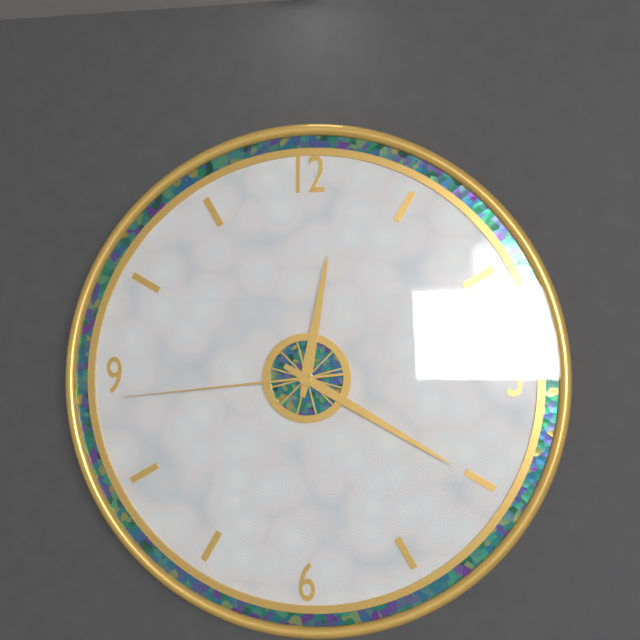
12h20m44s
